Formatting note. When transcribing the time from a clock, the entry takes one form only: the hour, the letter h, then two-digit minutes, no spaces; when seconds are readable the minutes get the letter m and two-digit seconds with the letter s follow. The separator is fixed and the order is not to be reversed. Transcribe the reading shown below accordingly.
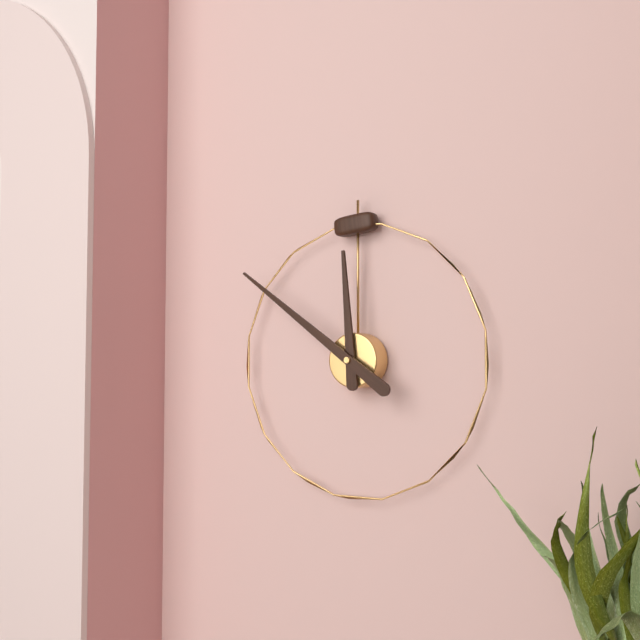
11h51
